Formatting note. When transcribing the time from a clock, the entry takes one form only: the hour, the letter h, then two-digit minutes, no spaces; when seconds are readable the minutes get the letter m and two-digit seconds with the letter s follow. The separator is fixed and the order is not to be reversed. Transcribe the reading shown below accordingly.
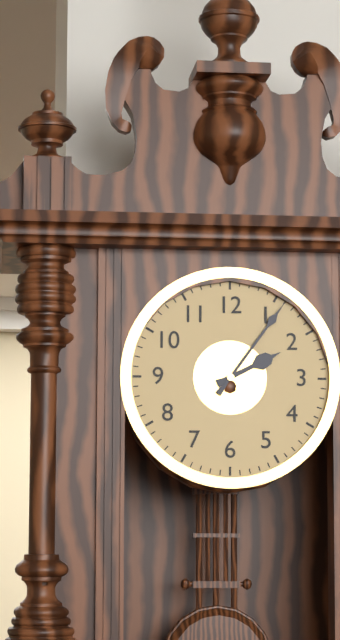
2h06
